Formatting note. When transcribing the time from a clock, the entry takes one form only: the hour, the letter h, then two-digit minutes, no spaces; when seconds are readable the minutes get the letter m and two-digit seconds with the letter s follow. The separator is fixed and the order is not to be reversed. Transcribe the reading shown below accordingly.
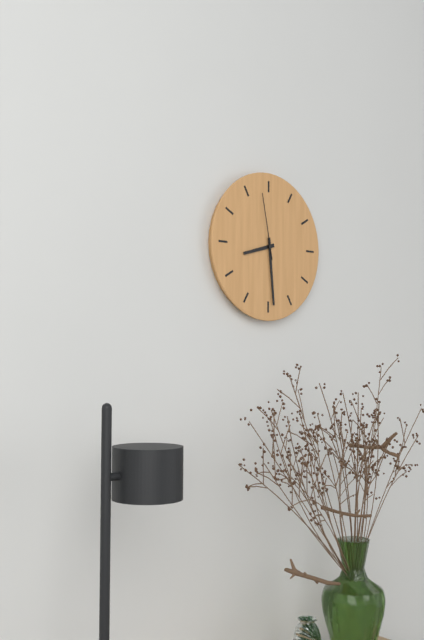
8h29m58s
